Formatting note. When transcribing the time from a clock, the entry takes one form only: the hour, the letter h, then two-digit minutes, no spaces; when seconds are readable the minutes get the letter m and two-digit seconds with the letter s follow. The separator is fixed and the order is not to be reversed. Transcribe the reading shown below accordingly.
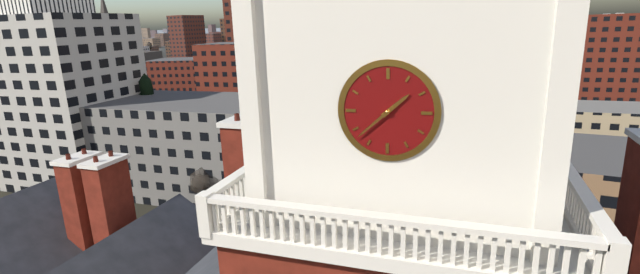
1h38
